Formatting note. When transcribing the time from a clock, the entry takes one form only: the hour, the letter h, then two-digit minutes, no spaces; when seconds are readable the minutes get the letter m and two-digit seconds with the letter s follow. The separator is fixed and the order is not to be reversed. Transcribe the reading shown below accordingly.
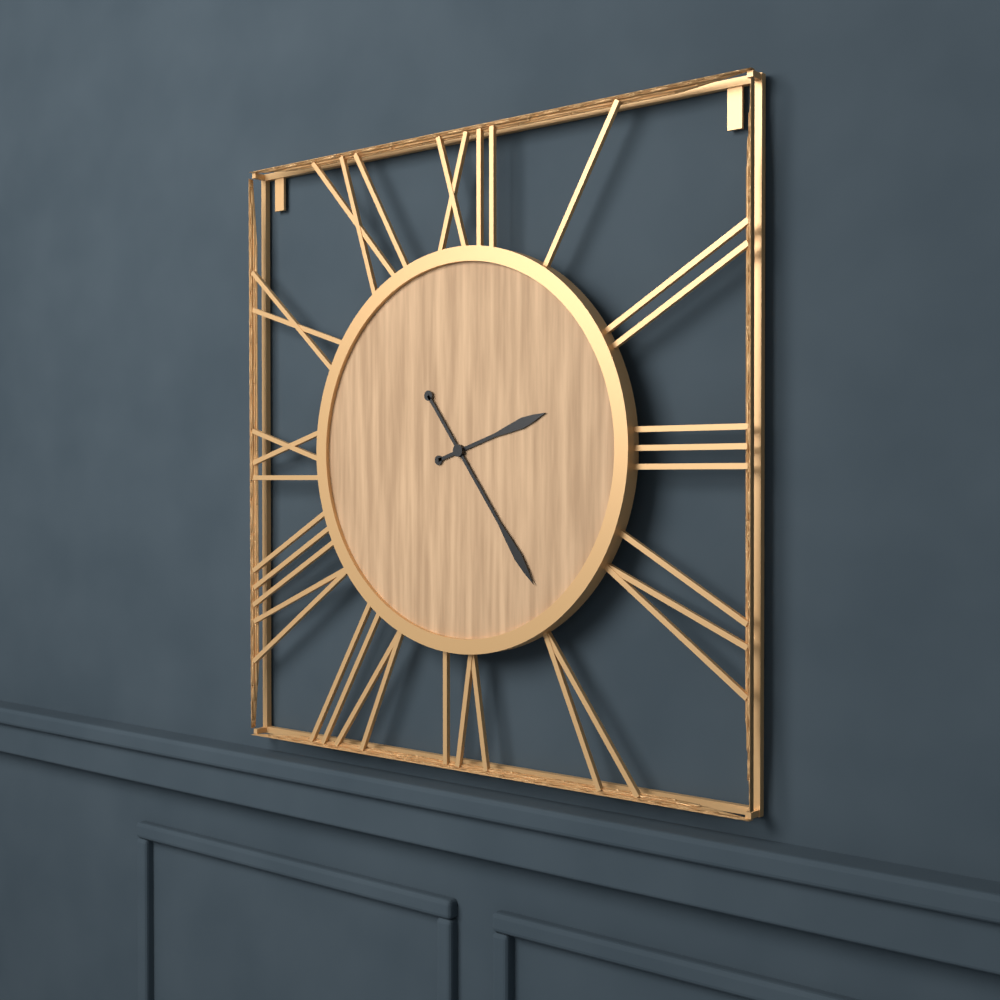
2h24
